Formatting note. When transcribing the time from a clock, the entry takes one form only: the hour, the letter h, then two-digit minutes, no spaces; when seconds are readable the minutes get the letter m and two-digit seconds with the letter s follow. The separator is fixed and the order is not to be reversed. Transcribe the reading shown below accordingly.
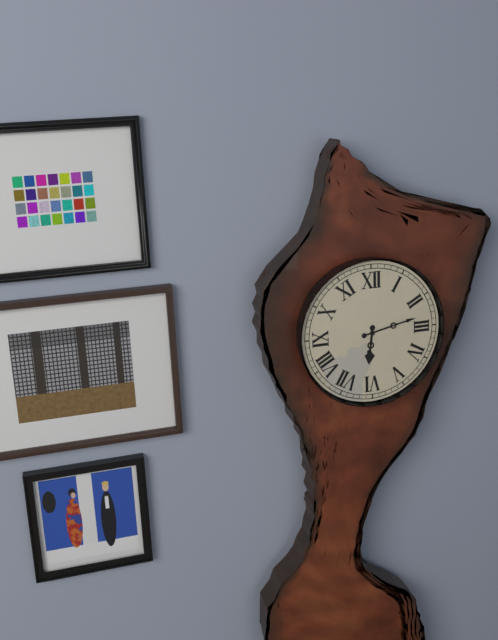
6h13
